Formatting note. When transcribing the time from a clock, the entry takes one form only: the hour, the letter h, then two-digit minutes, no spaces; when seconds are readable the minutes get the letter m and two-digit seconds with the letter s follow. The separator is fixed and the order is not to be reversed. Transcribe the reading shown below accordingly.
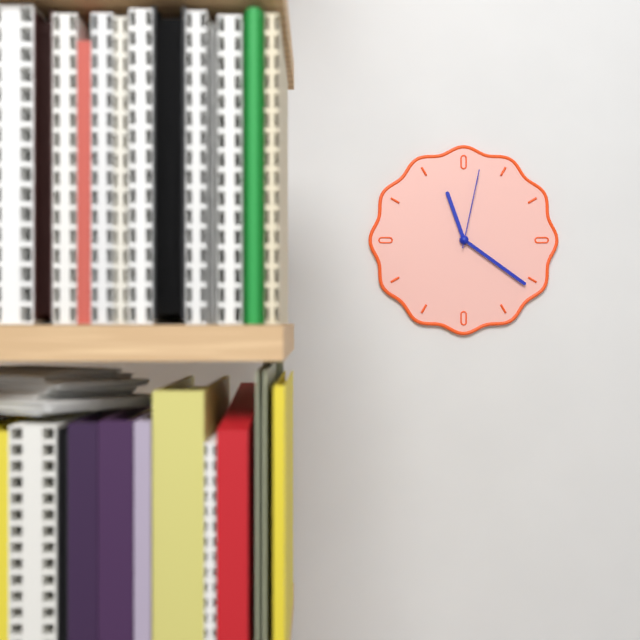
11h21m02s
